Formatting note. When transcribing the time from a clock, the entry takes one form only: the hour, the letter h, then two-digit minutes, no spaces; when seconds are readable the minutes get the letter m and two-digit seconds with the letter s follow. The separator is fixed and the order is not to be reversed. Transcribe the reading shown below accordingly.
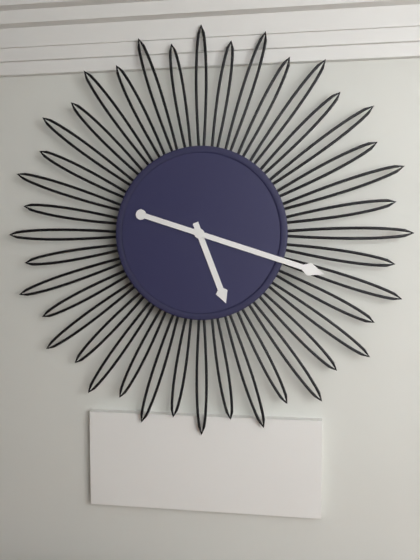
5h18
